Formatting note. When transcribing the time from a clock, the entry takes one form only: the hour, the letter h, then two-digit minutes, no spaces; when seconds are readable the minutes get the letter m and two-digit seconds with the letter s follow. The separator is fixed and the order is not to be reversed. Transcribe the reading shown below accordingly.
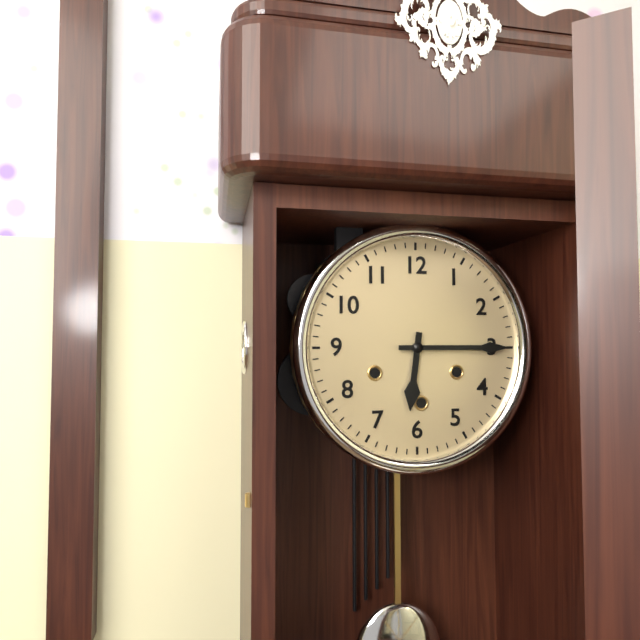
6h15
